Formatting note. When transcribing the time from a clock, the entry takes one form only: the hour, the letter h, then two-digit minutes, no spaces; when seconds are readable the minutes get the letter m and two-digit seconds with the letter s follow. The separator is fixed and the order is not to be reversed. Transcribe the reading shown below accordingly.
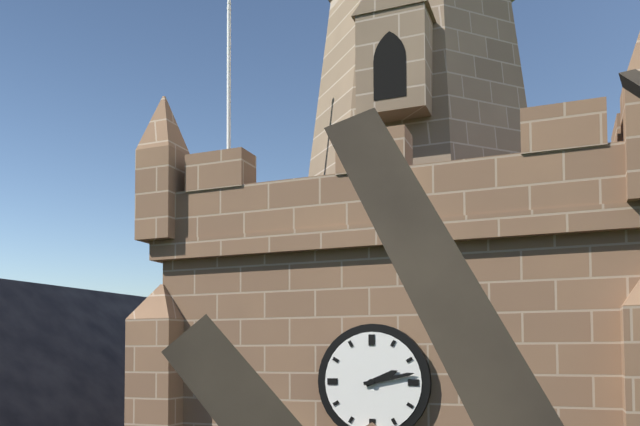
2h13
